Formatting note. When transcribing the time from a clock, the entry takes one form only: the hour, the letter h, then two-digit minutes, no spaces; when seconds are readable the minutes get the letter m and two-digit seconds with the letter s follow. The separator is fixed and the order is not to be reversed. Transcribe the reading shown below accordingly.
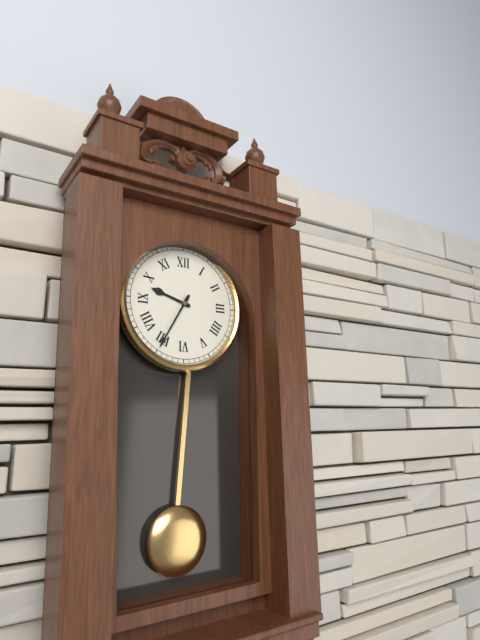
9h35
